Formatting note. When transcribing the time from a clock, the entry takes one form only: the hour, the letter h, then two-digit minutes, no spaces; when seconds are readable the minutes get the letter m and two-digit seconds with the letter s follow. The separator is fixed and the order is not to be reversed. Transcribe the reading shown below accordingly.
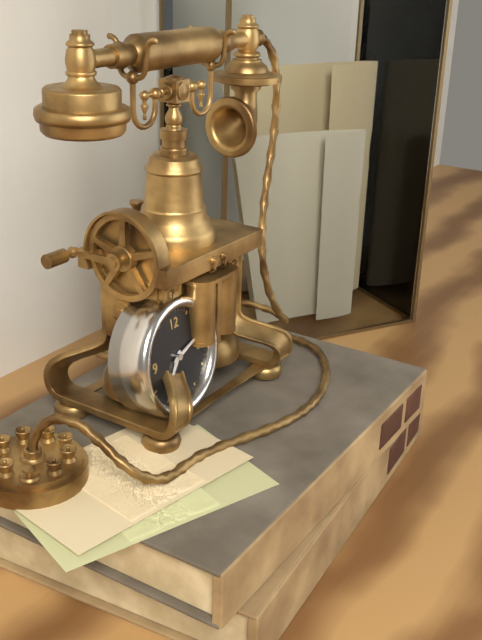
7h12
